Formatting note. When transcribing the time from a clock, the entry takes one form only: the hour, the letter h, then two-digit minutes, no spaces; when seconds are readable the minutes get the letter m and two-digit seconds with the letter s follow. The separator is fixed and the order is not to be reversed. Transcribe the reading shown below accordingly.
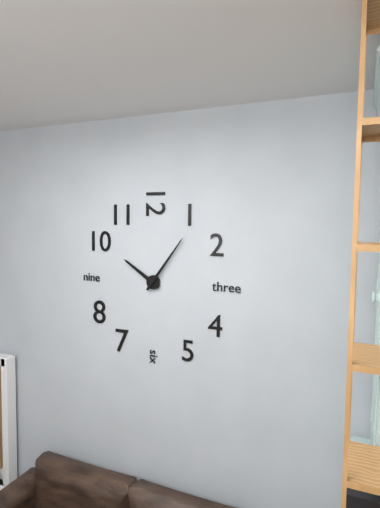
10h06
